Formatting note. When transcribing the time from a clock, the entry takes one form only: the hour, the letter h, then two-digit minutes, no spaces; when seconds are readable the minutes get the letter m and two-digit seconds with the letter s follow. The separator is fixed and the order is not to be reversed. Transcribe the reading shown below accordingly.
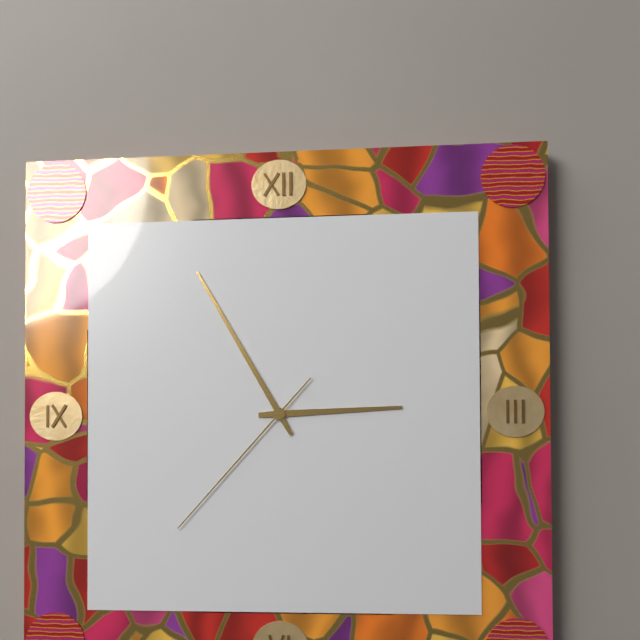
2h55m37s
